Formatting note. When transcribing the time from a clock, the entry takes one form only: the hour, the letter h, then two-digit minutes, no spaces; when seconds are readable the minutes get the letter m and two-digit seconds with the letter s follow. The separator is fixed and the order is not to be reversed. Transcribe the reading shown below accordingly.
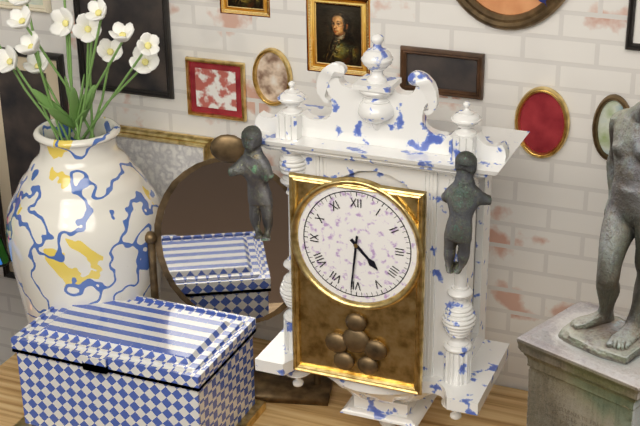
4h31
